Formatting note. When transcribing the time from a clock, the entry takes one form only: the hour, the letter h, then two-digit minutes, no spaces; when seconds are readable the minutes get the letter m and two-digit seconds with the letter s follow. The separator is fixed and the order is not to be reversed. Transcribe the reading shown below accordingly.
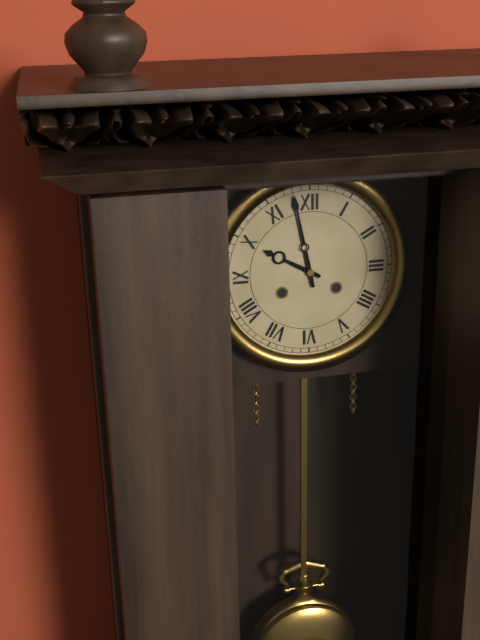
9h58
